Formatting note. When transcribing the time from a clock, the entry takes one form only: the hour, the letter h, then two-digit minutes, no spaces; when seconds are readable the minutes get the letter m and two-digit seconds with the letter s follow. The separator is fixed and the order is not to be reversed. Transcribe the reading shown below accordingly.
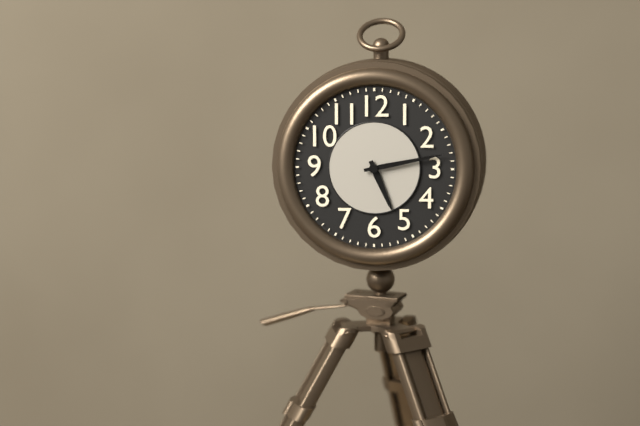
5h13
